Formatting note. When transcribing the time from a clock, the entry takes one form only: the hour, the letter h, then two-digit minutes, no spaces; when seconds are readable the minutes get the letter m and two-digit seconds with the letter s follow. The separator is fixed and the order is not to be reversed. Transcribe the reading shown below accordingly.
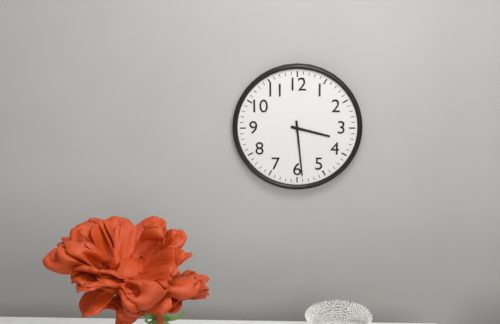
3h29
